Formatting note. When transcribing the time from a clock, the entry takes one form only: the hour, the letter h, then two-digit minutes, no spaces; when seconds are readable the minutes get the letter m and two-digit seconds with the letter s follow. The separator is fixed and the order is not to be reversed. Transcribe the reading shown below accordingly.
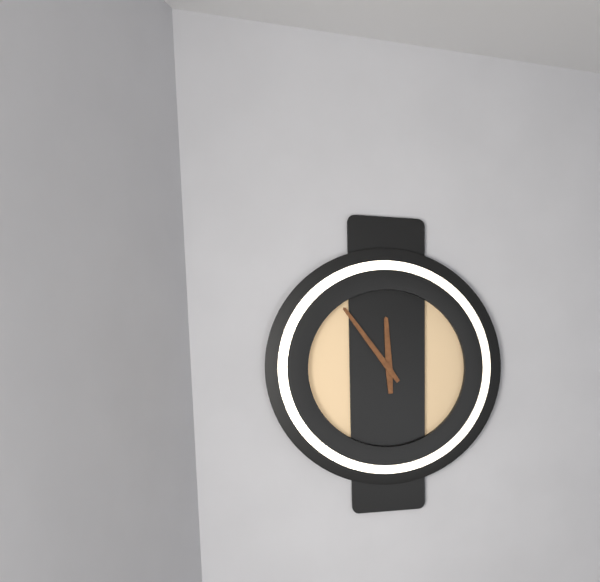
11h54
